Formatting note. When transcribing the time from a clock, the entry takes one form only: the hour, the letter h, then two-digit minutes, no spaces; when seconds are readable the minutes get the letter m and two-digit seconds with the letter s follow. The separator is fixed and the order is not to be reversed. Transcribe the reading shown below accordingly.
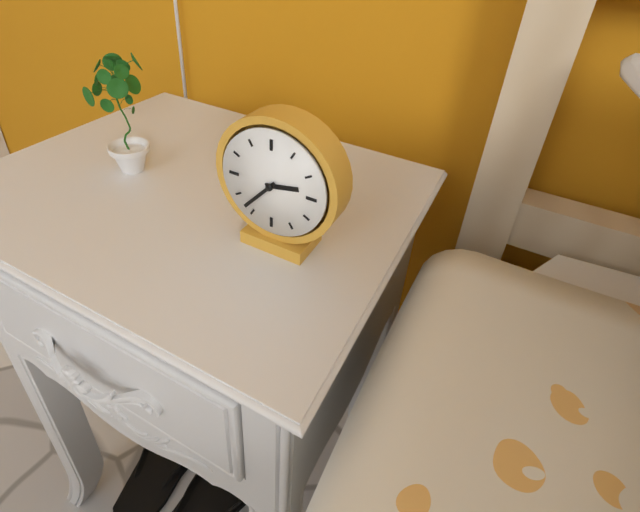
2h37
